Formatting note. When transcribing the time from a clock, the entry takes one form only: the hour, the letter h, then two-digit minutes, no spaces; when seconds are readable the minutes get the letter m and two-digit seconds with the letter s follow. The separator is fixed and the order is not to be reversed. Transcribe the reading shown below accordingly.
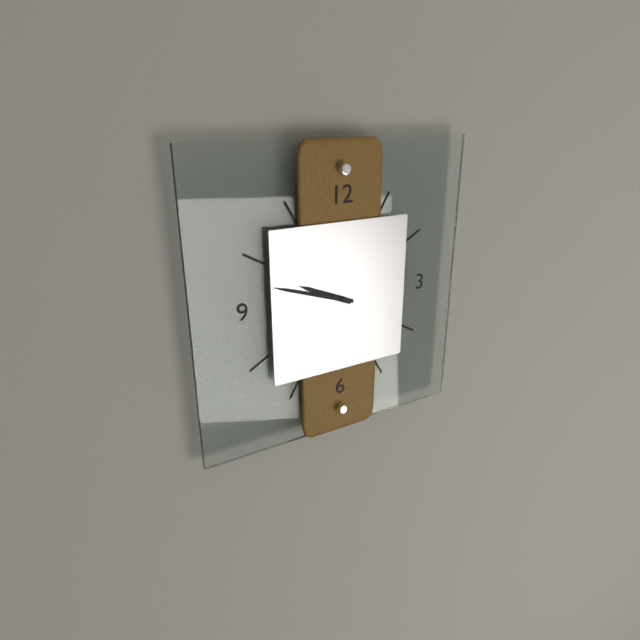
9h48
